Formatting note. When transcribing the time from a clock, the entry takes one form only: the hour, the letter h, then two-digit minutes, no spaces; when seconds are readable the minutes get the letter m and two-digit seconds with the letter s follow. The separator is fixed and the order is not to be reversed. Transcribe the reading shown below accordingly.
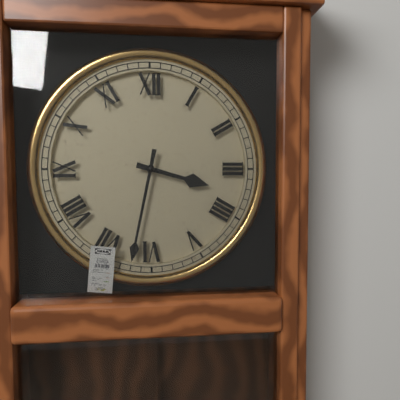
3h32
